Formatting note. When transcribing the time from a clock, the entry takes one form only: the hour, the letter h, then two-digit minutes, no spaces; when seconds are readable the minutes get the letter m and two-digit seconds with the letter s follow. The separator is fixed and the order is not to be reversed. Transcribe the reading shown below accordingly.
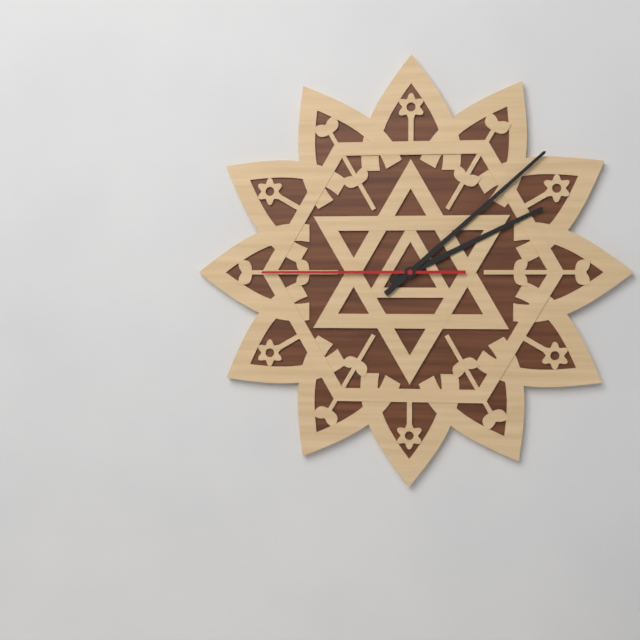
2h08m45s
